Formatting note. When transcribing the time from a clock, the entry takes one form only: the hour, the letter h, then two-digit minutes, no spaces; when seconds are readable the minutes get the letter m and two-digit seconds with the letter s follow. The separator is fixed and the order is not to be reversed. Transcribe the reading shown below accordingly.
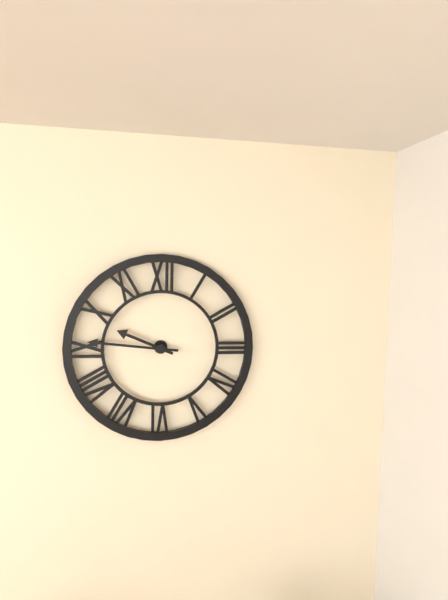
9h46
